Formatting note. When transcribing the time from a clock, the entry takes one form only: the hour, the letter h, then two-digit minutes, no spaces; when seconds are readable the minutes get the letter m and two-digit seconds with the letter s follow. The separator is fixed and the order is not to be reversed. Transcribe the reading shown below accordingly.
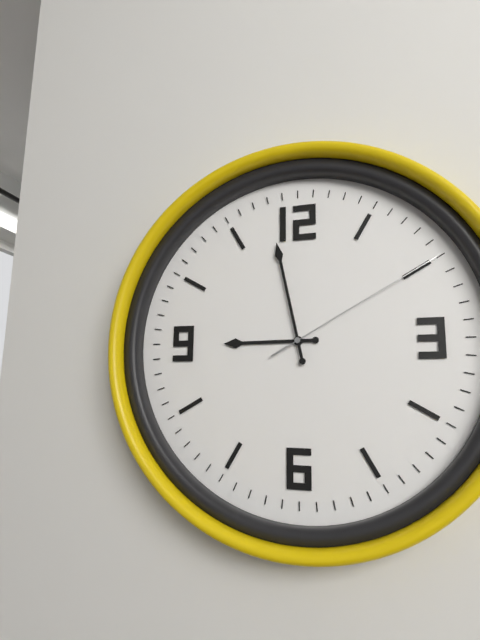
8h58m10s
